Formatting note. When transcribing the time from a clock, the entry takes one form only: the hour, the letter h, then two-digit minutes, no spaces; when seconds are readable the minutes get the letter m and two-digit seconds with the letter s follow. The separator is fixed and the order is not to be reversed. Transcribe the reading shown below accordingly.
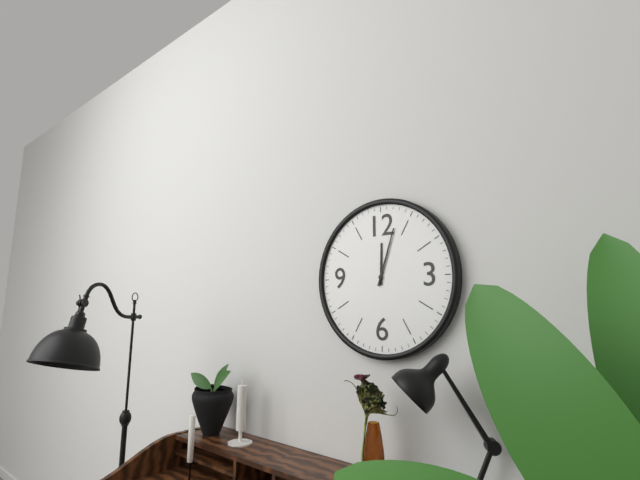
12h03
